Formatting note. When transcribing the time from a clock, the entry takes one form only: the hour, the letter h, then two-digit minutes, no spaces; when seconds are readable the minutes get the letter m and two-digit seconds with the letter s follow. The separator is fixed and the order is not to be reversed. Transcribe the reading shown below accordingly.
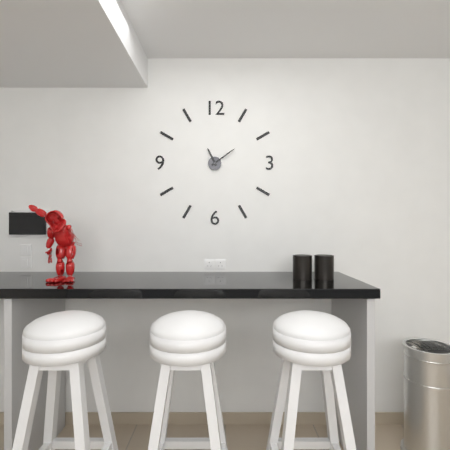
11h09
